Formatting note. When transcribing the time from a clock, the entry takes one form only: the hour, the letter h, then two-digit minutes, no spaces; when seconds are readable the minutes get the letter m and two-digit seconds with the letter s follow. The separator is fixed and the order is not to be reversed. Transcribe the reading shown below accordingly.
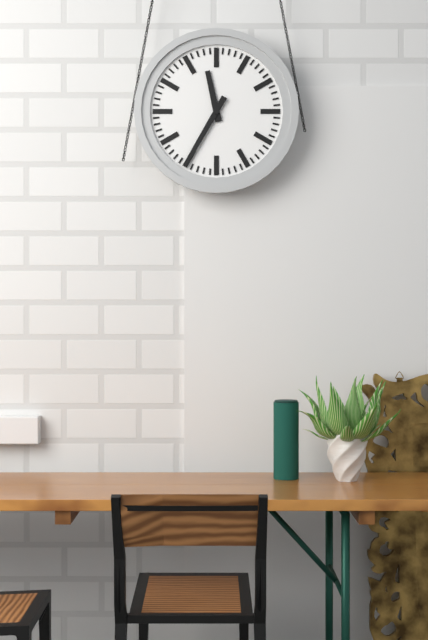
11h35
